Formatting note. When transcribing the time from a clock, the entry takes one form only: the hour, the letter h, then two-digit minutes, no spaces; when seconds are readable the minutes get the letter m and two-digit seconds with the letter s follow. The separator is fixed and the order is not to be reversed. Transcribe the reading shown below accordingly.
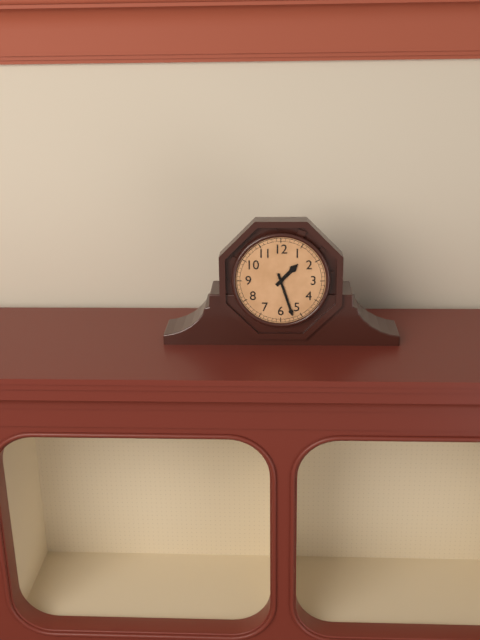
1h27
